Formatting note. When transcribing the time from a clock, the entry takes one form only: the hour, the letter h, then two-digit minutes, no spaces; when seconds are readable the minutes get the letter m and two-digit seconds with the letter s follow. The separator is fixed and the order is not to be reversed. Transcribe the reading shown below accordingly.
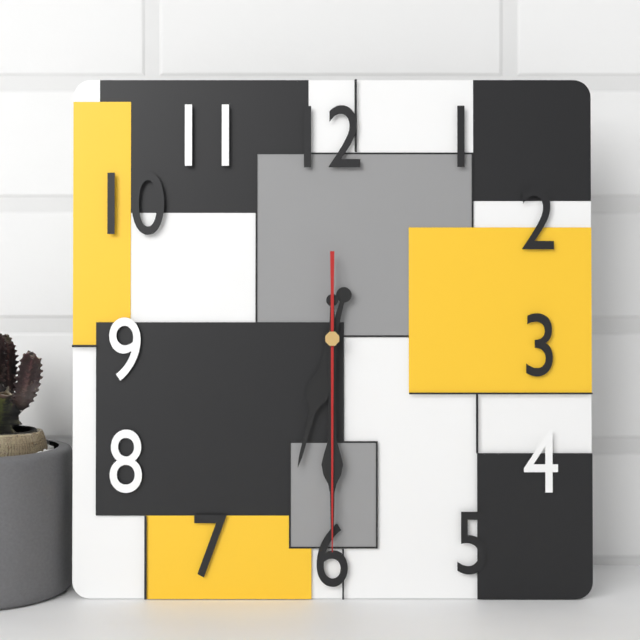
6h30m30s
